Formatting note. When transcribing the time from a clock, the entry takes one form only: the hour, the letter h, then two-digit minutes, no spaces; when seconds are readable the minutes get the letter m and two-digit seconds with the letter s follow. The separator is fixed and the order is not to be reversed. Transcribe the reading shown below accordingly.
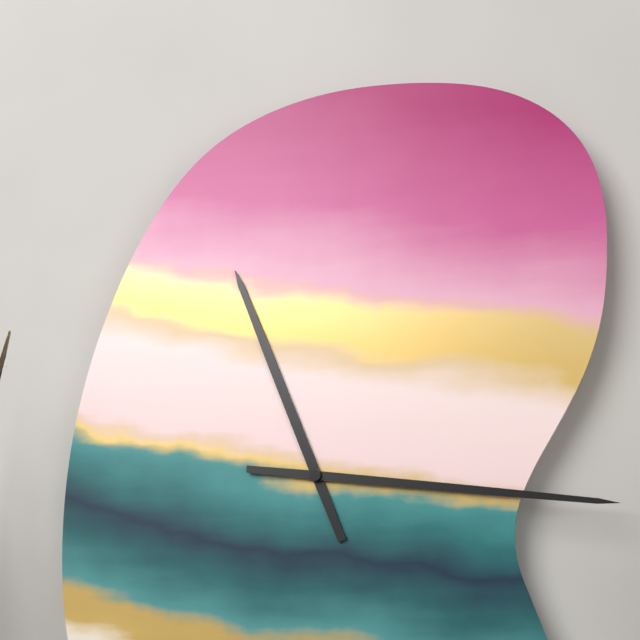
11h16
